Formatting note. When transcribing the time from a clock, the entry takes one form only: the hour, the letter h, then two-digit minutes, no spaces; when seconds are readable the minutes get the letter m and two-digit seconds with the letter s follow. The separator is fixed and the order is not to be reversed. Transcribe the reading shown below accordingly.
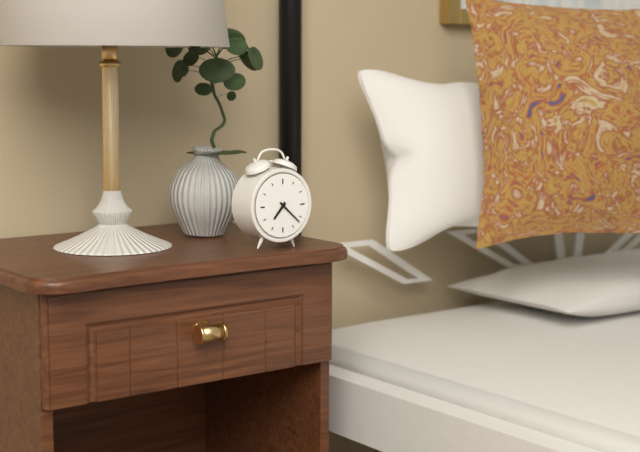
7h22
